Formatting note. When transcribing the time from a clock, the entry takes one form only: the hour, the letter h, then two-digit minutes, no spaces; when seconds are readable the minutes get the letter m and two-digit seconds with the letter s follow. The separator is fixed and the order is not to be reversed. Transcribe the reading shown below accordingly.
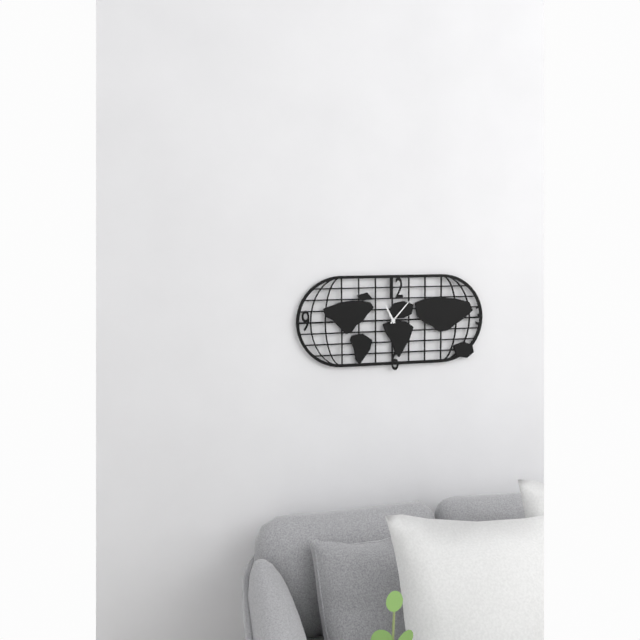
11h07
